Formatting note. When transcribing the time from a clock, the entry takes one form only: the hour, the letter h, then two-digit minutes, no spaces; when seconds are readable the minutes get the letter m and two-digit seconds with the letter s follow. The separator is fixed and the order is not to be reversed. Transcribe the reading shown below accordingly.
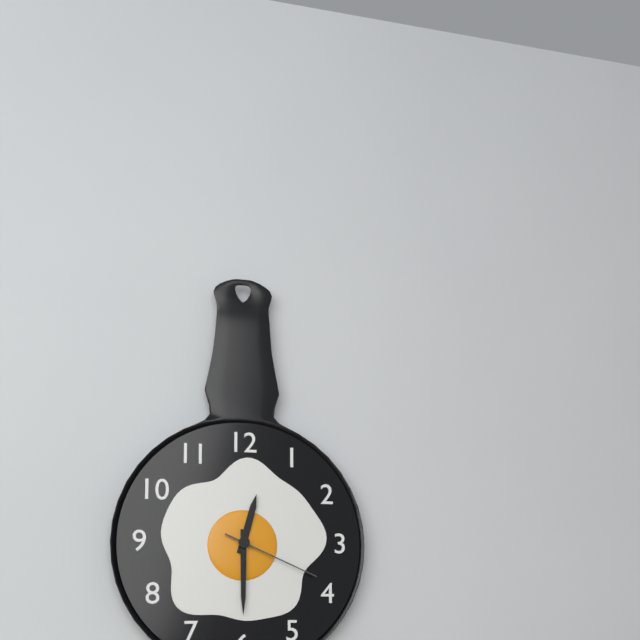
12h30m19s
